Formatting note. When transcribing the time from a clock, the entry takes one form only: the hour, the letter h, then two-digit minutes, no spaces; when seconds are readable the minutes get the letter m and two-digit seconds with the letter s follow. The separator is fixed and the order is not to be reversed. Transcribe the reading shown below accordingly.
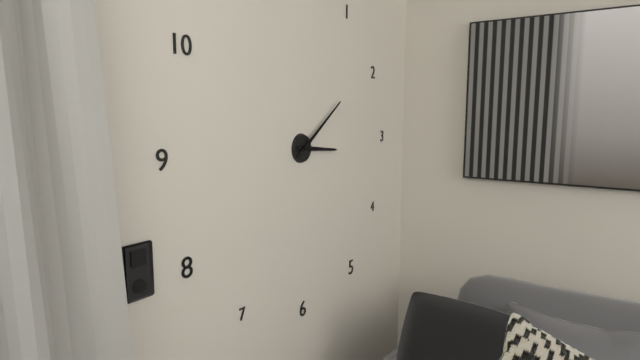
3h09
